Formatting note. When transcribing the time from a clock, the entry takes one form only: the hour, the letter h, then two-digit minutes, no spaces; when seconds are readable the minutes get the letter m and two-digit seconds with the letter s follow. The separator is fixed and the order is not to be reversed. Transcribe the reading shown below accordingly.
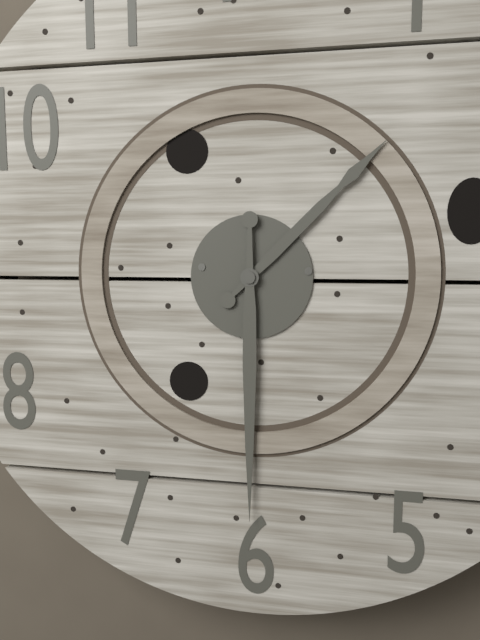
1h30
